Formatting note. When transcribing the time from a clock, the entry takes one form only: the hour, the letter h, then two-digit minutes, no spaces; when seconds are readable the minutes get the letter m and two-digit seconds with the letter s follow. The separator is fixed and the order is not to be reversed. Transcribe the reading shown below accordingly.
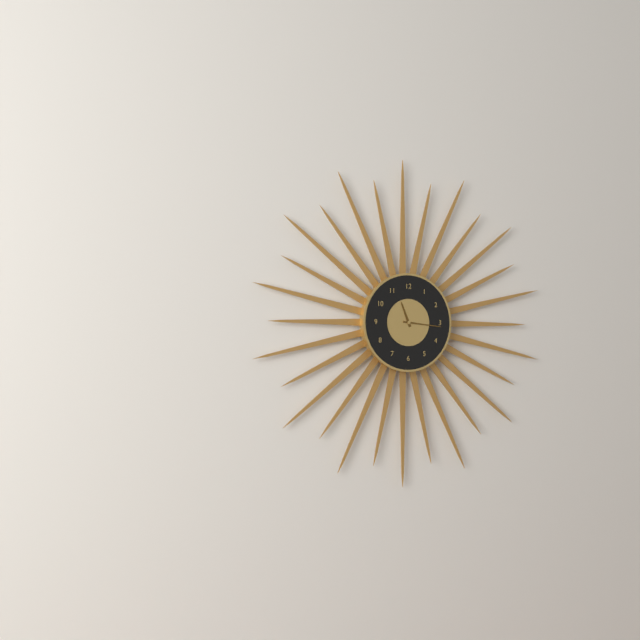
11h16
